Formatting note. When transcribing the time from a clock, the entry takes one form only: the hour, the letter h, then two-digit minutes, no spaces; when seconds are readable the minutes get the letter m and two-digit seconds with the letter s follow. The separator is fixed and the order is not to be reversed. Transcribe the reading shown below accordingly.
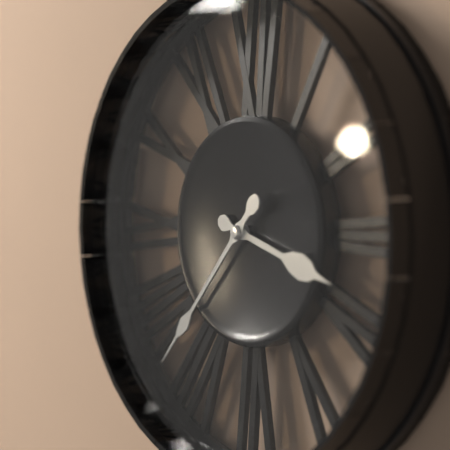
3h37
